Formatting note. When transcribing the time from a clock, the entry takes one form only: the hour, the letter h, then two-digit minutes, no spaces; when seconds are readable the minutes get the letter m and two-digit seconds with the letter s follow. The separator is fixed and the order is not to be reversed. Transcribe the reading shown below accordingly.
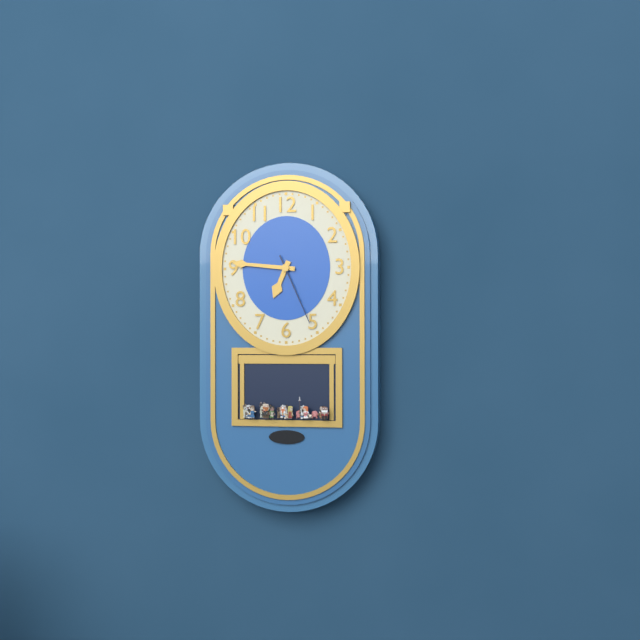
6h46m26s
